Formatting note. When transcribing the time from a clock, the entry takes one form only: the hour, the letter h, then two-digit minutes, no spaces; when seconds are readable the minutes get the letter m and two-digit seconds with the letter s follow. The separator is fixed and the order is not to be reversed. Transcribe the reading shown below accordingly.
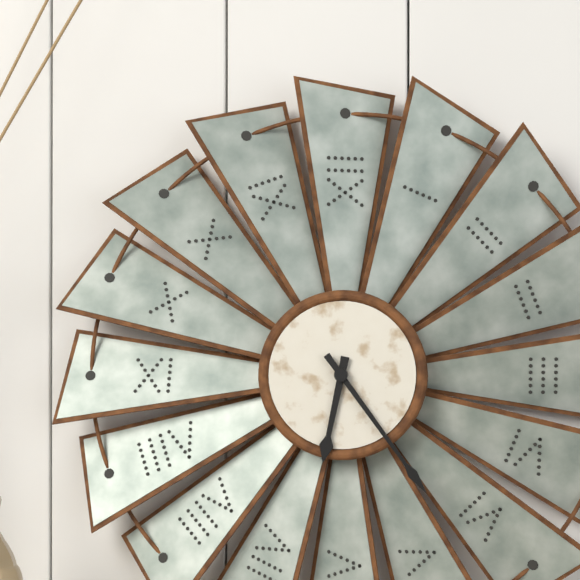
6h24
